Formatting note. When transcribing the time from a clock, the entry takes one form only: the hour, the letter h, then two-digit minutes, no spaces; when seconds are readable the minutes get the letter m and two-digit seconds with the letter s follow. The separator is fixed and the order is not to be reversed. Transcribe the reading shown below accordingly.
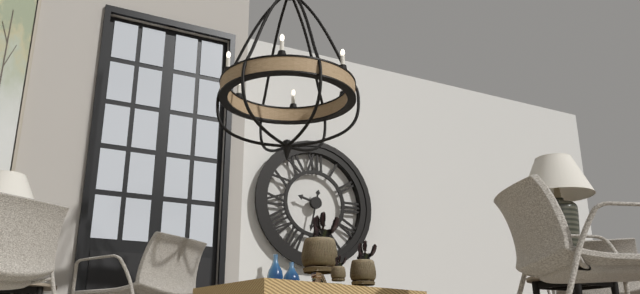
9h32
